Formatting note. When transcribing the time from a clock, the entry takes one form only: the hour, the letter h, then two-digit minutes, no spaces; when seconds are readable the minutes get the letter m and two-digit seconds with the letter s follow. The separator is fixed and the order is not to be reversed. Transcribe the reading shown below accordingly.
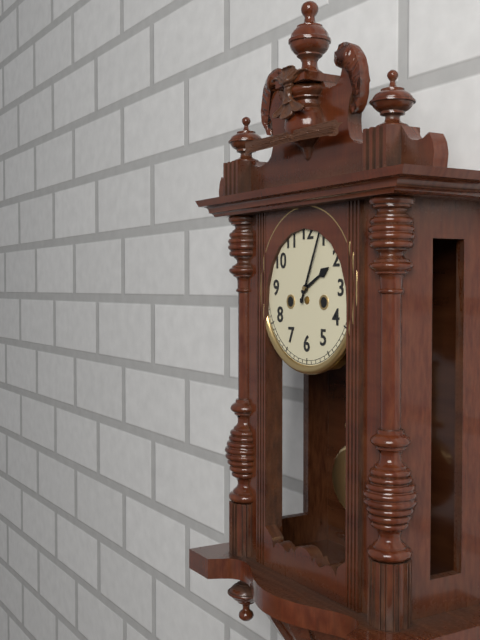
2h04
